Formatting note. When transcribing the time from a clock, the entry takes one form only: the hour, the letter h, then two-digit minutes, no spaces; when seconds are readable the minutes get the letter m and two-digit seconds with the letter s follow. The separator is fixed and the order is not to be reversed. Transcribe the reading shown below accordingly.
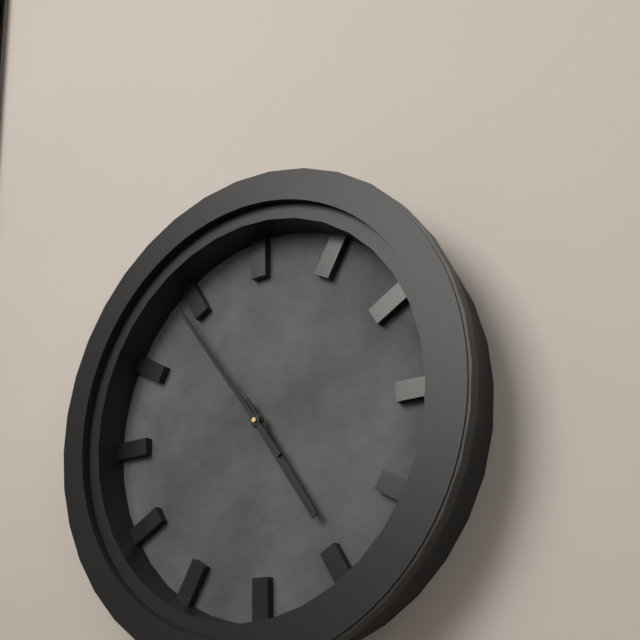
4h54
